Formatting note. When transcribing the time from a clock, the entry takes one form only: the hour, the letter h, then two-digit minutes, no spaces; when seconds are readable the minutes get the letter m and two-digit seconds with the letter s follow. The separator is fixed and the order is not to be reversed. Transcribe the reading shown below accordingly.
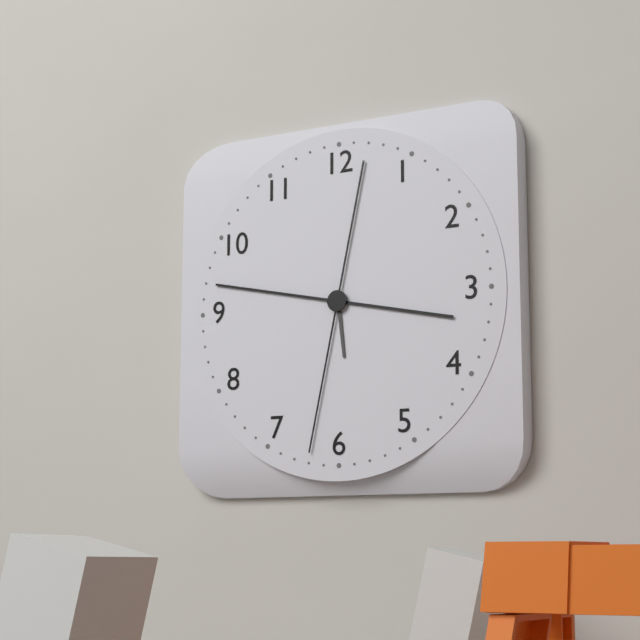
5h47m32s
